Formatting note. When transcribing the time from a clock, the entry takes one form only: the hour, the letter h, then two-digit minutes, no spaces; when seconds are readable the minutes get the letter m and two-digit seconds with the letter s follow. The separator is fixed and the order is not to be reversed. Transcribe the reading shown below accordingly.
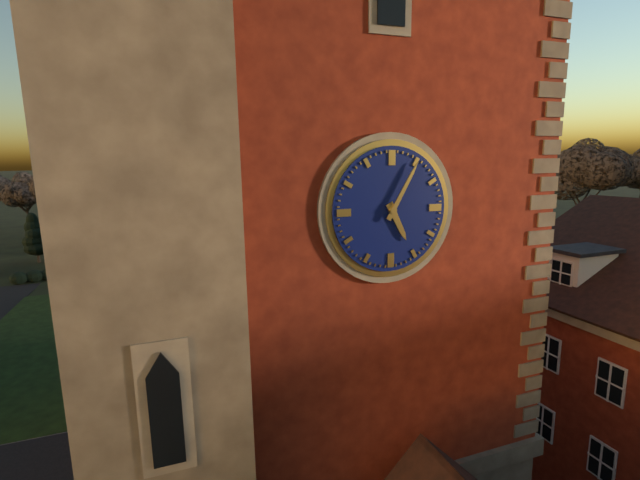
5h05
